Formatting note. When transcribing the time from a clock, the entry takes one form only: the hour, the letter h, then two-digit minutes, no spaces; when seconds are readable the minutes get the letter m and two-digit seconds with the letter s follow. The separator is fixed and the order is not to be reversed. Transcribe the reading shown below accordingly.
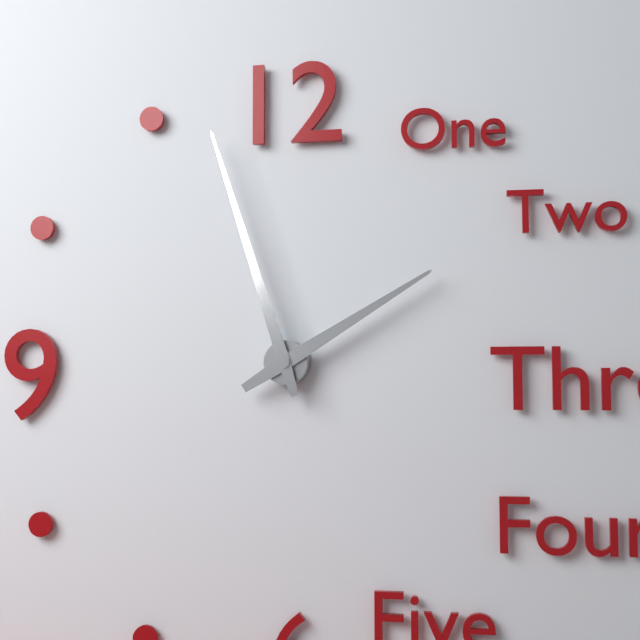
1h57
